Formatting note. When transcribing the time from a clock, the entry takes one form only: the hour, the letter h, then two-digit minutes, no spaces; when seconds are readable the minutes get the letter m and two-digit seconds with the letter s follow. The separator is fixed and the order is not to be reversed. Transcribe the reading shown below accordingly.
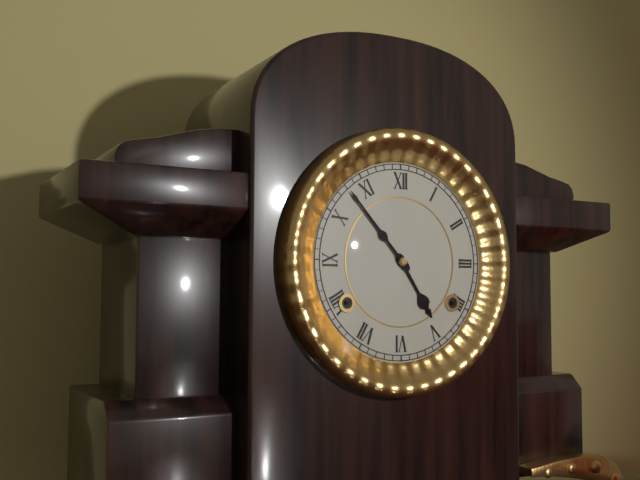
4h53
